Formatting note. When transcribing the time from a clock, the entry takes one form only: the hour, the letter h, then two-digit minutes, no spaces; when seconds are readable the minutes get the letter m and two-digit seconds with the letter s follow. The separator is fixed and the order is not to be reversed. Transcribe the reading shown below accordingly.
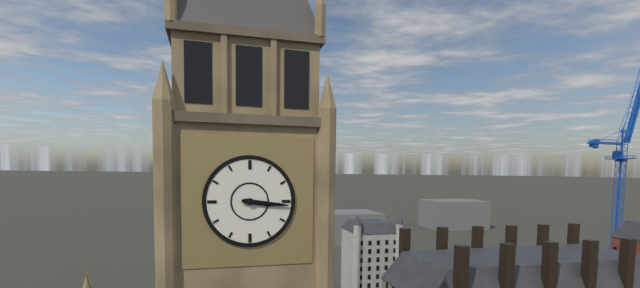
3h16
